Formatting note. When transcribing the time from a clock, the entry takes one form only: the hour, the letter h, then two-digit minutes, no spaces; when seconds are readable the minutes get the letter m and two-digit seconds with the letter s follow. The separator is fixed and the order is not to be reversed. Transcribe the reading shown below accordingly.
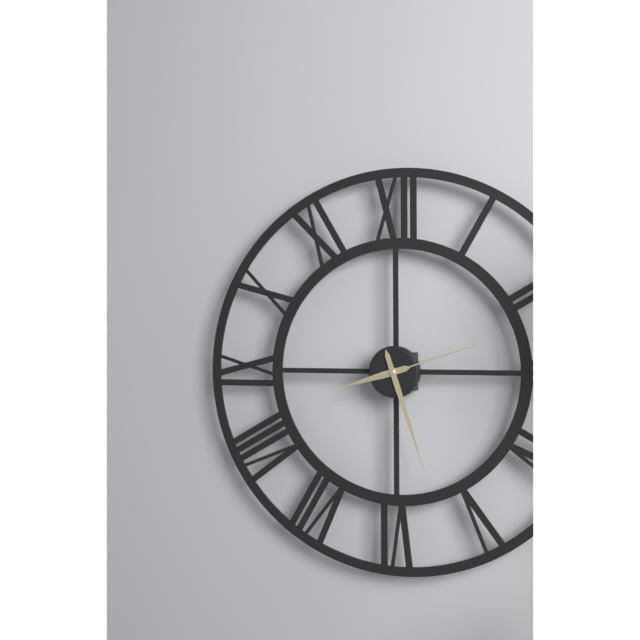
8h27m12s
